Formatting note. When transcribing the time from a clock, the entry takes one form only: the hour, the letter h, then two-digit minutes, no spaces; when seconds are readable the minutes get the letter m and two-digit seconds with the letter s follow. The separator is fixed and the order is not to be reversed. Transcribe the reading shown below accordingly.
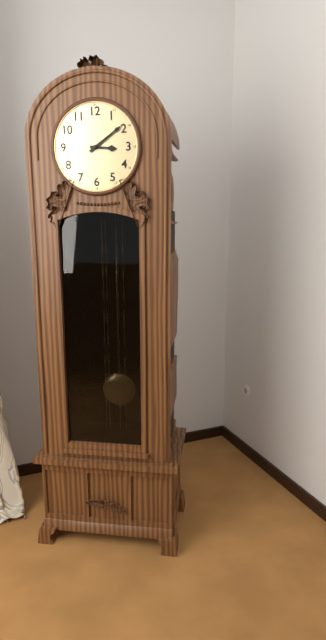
3h09
